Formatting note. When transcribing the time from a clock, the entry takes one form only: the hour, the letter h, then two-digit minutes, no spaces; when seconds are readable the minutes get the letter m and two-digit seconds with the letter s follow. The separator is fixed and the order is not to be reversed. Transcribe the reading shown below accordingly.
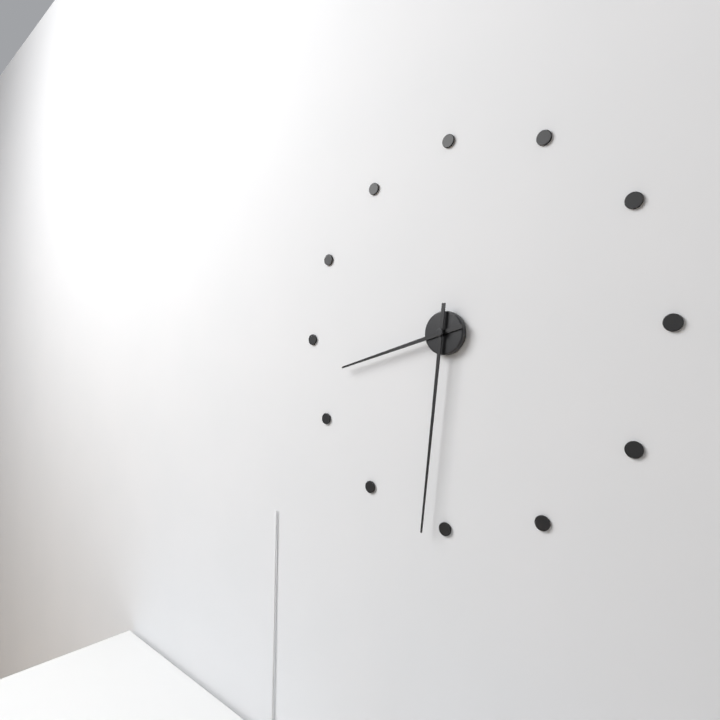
8h31
